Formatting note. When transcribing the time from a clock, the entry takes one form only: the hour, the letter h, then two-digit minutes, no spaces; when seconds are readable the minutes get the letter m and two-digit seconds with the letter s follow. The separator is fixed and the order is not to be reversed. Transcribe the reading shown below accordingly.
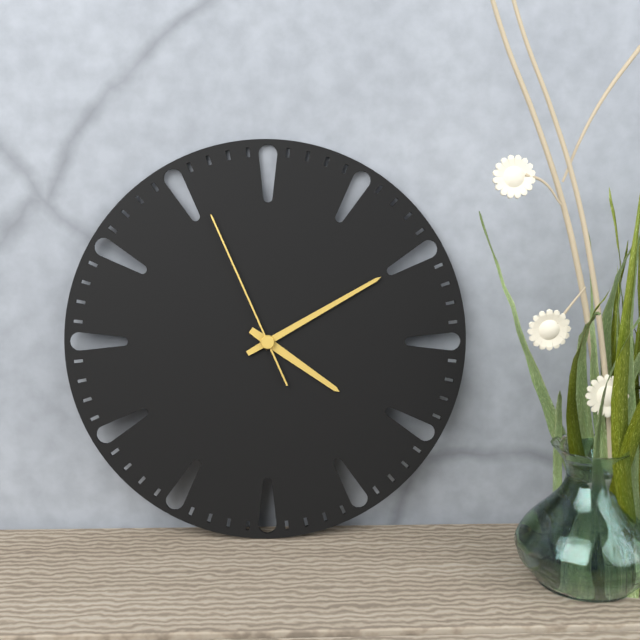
4h10m56s
